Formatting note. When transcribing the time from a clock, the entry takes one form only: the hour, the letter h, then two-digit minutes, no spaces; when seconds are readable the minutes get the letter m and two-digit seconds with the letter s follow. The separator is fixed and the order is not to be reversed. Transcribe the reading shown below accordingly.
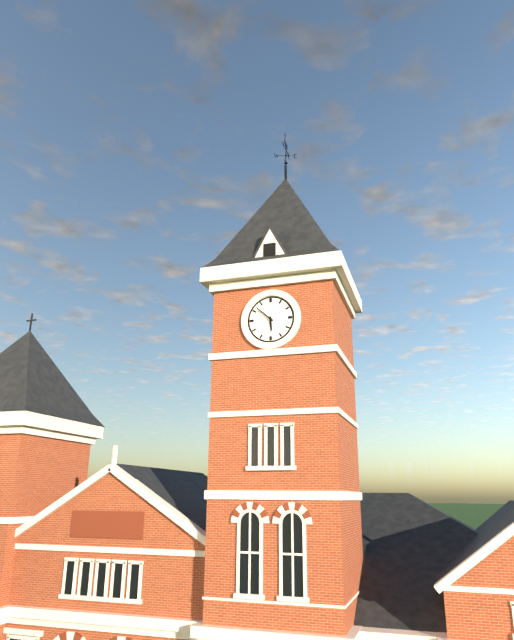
5h52
